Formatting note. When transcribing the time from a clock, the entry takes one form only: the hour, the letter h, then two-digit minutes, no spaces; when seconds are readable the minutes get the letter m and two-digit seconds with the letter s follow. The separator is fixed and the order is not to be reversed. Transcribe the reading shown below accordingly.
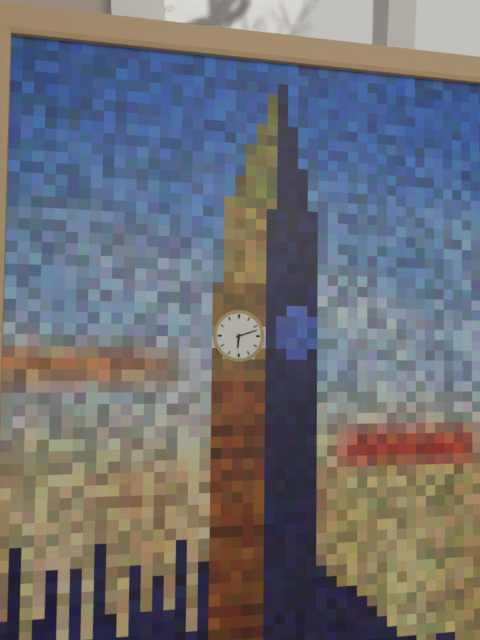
6h12
